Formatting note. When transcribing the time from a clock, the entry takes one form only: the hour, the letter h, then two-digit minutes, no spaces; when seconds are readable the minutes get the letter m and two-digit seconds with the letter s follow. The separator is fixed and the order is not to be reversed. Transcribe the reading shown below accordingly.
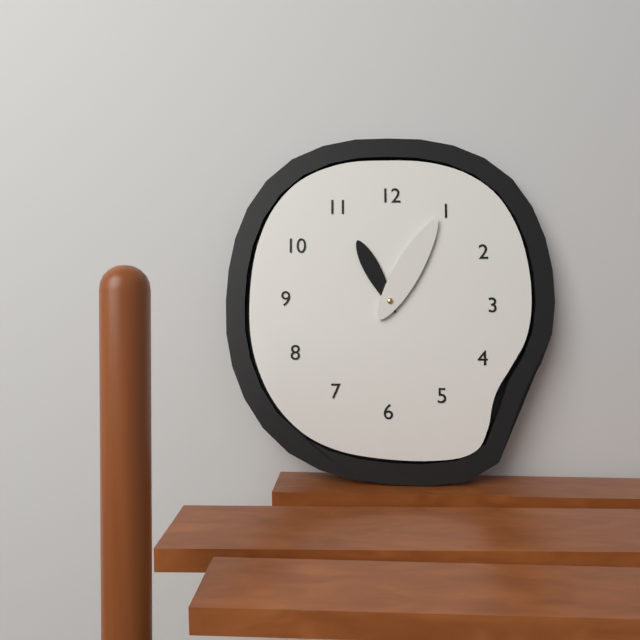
11h05
